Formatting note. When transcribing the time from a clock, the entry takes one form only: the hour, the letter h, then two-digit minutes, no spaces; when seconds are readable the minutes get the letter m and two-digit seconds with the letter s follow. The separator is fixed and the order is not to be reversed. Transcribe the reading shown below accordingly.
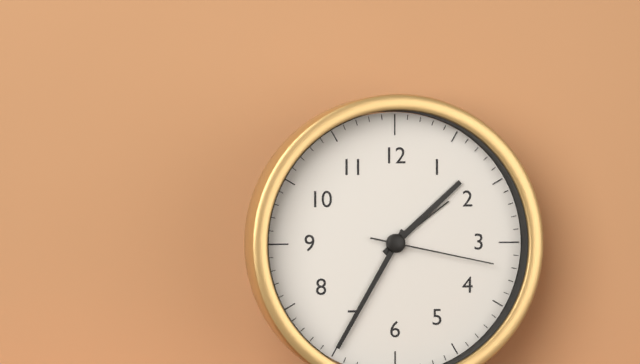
1h35m17s
